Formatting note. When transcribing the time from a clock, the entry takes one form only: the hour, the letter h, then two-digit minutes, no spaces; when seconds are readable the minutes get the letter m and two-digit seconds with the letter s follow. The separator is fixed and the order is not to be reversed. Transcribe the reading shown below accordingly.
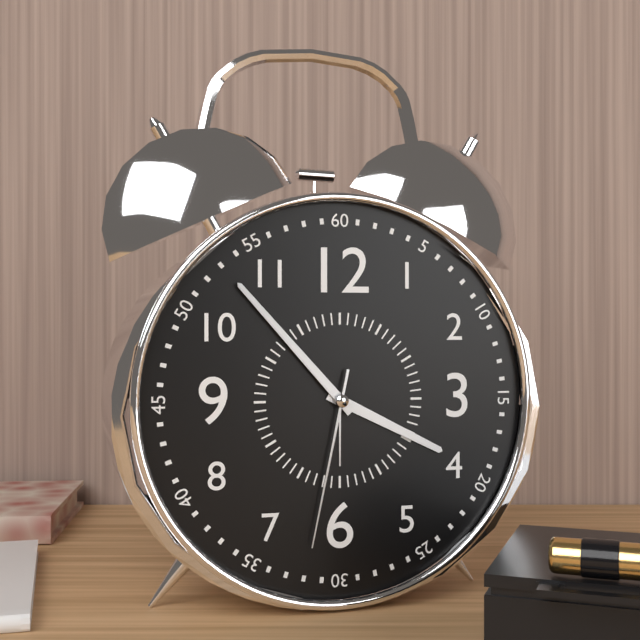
3h53m32s
